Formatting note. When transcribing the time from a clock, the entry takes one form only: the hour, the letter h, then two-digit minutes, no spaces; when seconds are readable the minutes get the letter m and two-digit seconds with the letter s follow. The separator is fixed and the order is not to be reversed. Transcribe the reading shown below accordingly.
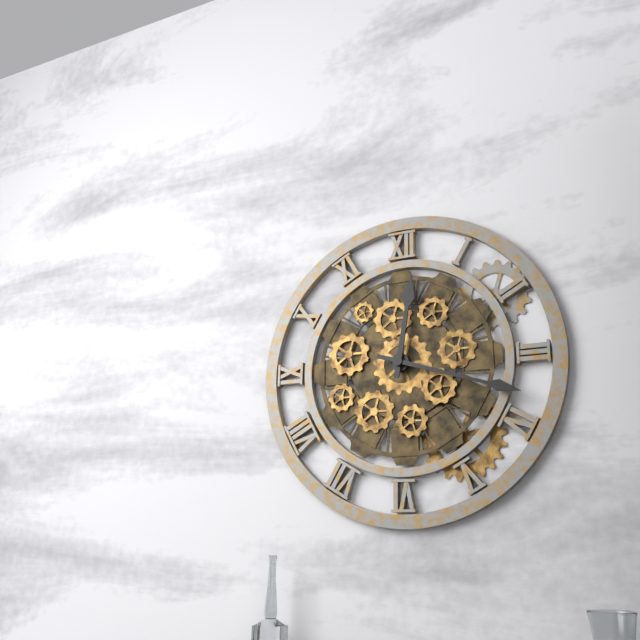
12h18
